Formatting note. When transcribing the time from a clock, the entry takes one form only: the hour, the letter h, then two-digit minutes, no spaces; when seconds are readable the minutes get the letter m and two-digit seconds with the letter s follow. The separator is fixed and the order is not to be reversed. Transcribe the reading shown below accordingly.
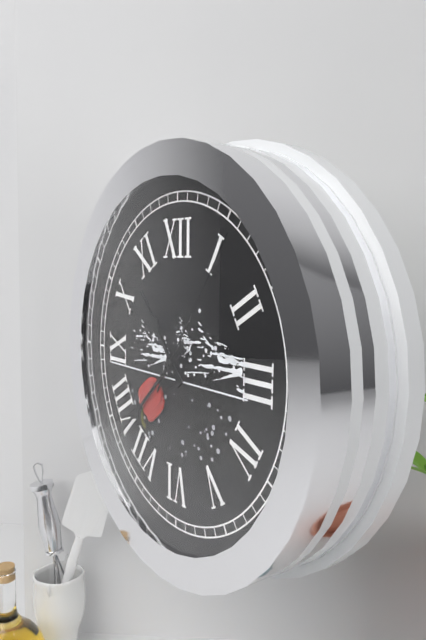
10h38m06s
